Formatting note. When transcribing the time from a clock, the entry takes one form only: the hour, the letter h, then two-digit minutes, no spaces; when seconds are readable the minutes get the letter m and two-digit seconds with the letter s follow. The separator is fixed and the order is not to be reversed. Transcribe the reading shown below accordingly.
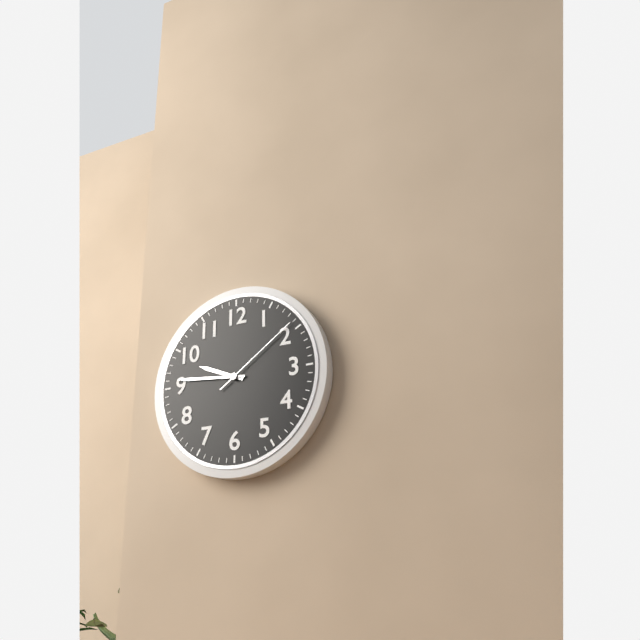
9h46m09s
